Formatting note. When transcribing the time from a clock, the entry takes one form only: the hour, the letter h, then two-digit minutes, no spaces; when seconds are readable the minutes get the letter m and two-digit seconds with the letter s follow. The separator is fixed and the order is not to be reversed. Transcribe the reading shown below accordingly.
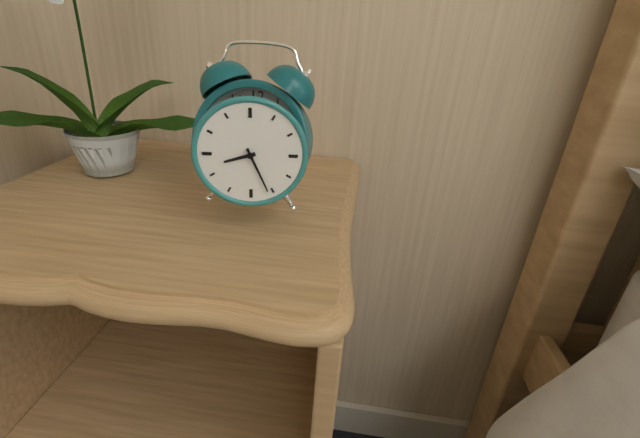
8h26
